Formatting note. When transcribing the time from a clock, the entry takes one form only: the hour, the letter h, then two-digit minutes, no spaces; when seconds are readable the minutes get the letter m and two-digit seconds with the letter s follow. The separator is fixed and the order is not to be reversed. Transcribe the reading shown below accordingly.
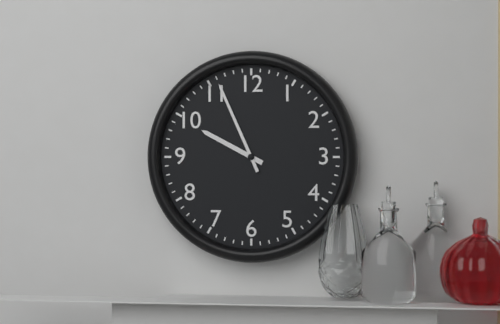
9h56
